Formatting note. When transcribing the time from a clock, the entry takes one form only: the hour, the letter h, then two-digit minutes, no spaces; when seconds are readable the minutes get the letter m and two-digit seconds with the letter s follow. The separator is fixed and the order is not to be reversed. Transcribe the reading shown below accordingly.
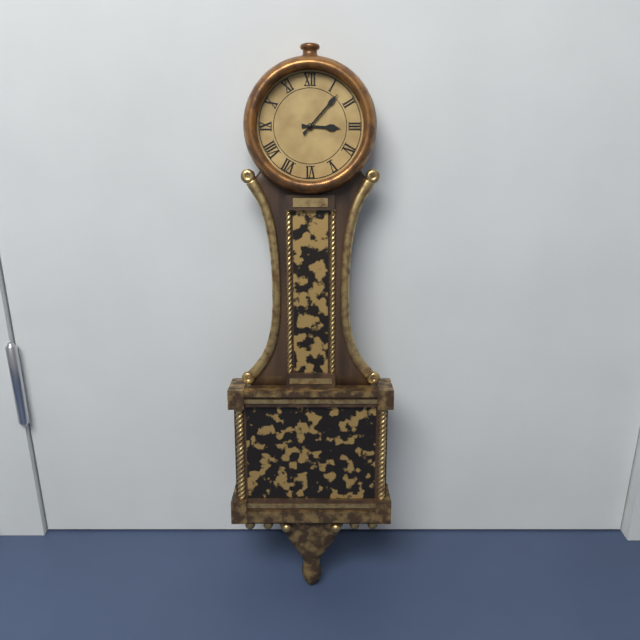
3h07
